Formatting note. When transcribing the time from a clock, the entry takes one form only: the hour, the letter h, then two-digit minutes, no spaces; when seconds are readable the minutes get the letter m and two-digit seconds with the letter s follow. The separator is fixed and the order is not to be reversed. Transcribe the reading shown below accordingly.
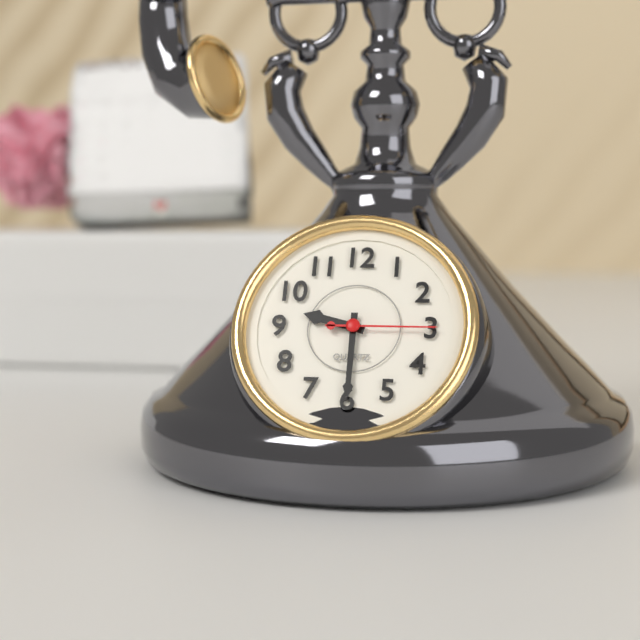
9h30m15s
